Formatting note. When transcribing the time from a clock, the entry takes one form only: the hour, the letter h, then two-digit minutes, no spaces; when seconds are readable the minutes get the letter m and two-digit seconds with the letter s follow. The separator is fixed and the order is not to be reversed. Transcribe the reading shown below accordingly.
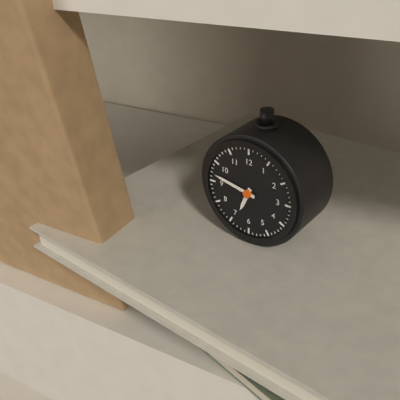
6h47
